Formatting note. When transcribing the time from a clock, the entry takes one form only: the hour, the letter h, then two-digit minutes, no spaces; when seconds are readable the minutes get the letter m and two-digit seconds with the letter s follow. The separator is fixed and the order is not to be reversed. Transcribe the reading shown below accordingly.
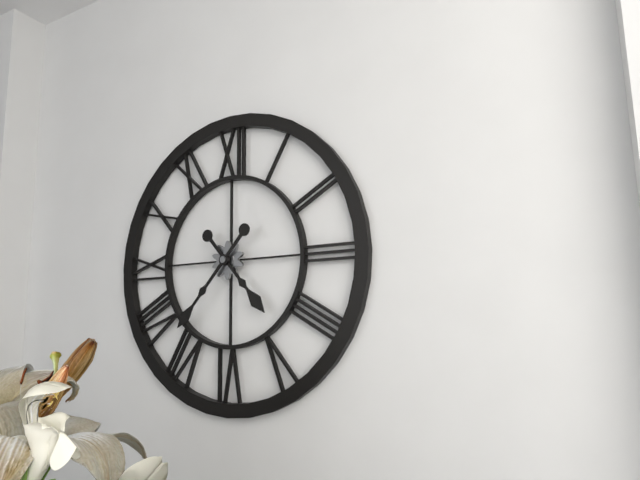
4h37
